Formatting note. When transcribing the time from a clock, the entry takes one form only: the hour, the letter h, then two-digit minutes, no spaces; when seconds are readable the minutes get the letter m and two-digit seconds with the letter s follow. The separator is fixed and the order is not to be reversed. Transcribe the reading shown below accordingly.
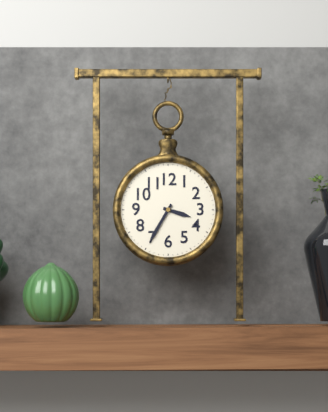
3h35
